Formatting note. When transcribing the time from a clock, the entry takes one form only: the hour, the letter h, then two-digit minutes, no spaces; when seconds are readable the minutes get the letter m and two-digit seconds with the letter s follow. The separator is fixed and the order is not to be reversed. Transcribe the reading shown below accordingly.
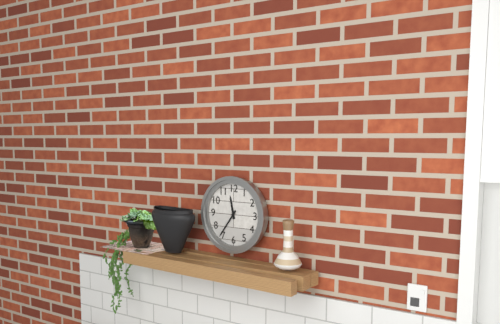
11h36
